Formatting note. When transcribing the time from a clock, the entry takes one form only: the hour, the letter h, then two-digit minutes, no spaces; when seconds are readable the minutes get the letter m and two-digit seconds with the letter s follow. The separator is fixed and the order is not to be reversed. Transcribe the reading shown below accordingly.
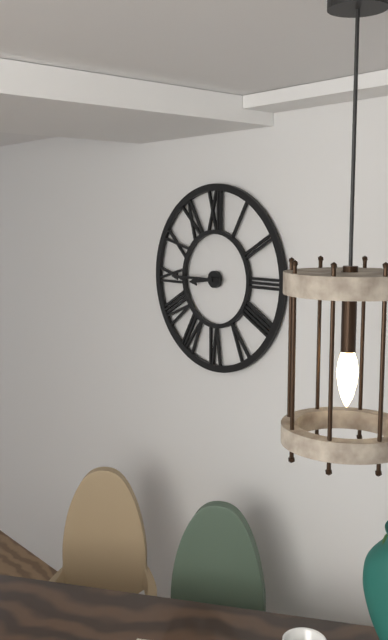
8h45
